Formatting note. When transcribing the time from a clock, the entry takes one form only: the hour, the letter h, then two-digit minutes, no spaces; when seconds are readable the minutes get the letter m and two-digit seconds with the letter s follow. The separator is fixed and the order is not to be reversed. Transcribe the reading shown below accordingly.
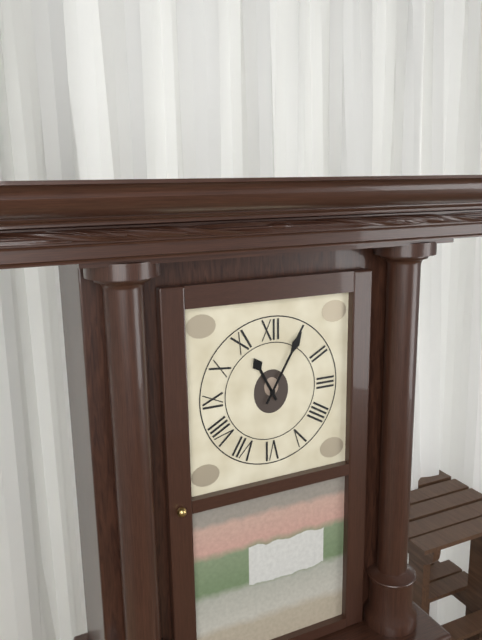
11h05
